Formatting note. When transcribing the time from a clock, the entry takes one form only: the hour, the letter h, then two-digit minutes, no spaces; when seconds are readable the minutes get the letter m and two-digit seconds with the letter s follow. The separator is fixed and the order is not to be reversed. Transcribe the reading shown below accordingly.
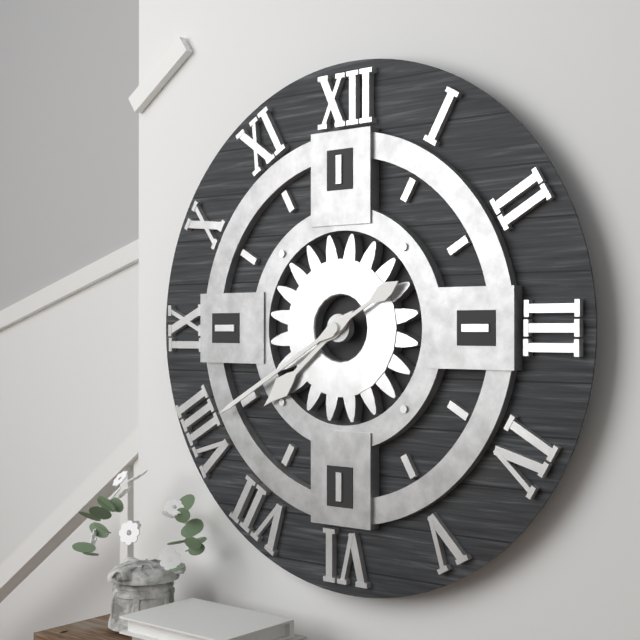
7h40
